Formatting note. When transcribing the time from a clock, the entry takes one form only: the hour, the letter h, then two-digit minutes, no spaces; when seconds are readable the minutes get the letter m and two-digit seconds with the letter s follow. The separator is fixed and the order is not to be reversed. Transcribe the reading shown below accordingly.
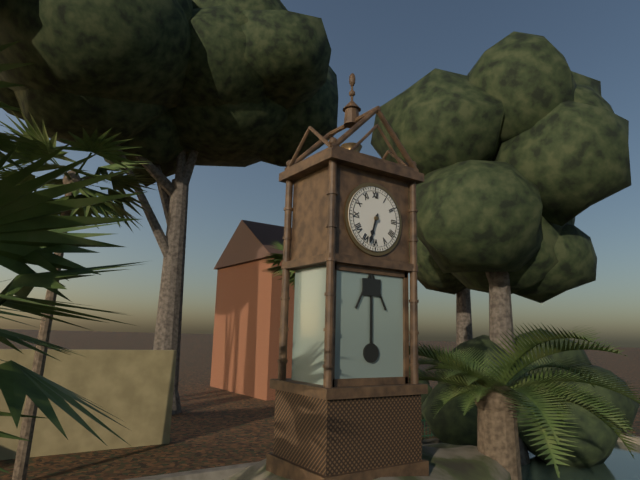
6h33
